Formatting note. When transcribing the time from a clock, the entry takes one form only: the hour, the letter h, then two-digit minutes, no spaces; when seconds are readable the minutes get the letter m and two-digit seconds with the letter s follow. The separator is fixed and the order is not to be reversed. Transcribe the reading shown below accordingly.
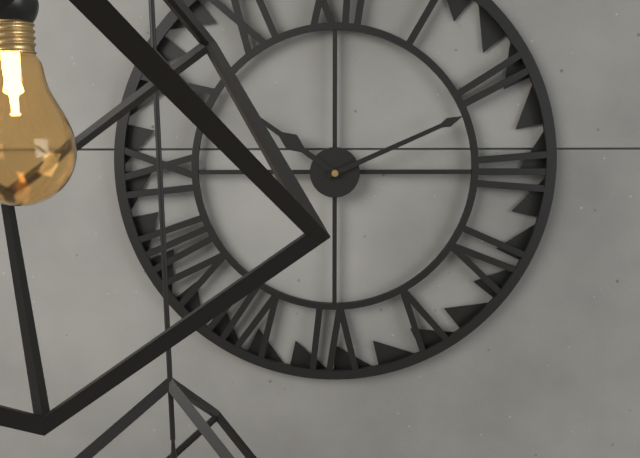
10h11
